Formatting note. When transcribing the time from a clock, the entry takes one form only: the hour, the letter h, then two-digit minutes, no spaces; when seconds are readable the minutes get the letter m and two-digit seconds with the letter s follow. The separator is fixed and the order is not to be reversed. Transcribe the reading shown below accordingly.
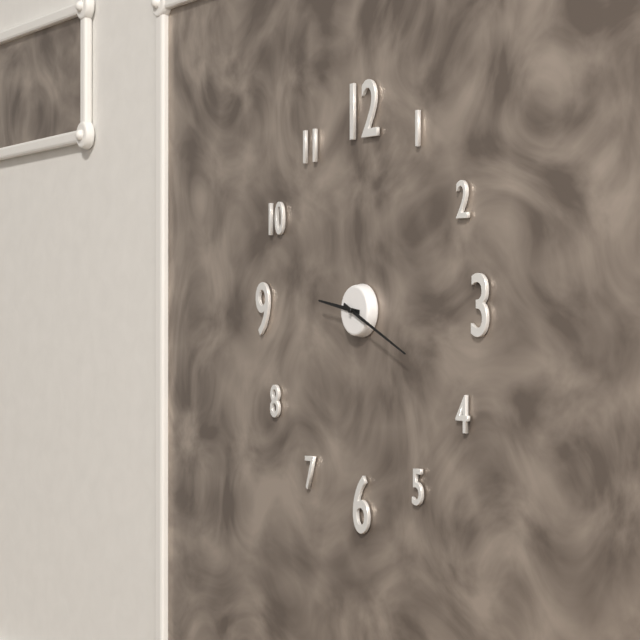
9h19
